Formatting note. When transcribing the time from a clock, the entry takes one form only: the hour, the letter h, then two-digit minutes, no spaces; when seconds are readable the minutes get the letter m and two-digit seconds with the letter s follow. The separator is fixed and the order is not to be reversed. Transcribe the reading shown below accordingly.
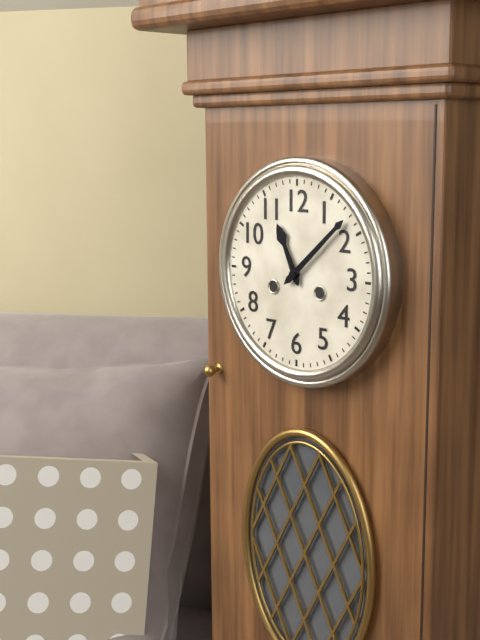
11h08
